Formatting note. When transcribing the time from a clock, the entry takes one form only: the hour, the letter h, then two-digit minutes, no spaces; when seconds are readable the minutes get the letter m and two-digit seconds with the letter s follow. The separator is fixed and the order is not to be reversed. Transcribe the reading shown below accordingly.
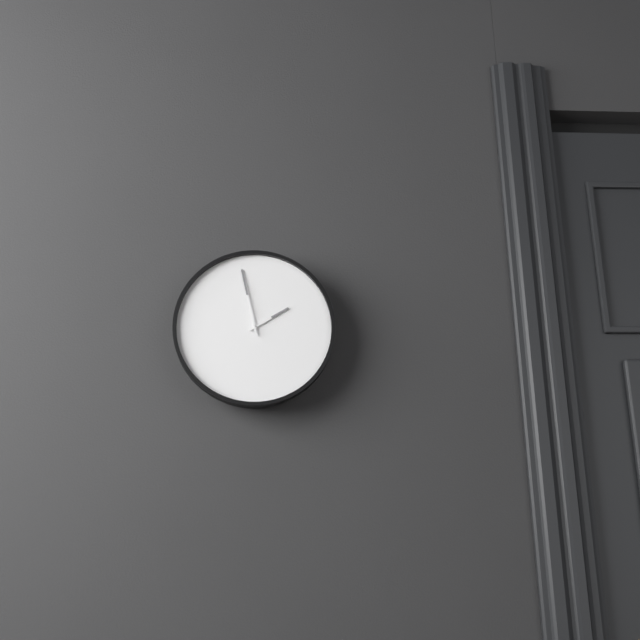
1h58
